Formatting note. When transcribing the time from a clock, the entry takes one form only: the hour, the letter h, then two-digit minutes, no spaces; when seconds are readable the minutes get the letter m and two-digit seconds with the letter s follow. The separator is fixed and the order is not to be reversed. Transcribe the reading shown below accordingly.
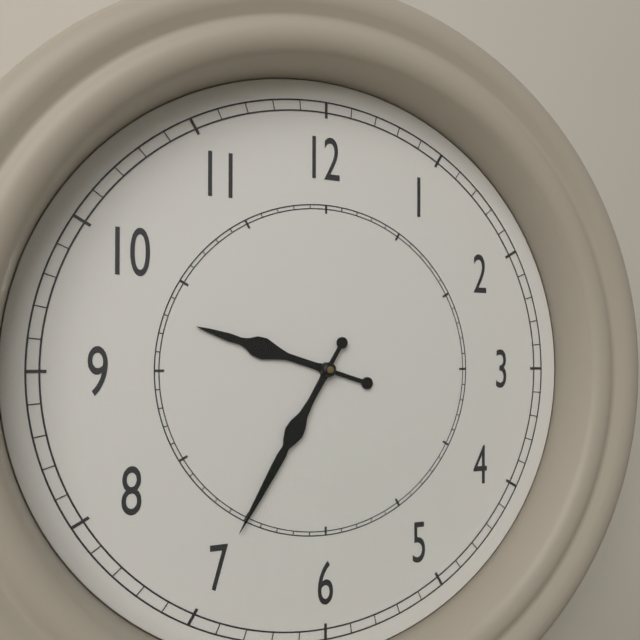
9h35
